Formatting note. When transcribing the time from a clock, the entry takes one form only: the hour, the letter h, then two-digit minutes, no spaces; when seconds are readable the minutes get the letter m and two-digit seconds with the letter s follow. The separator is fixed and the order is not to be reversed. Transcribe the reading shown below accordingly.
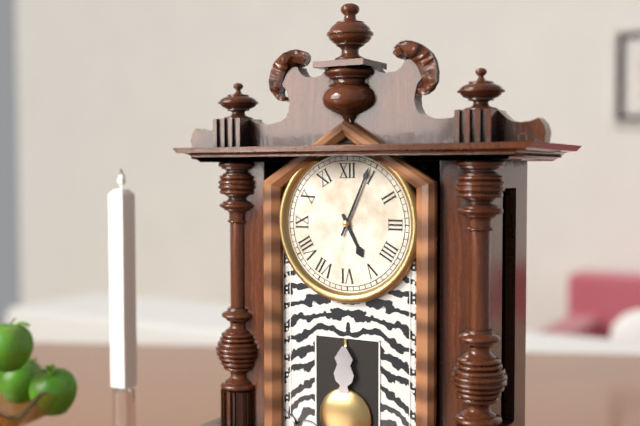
5h04
